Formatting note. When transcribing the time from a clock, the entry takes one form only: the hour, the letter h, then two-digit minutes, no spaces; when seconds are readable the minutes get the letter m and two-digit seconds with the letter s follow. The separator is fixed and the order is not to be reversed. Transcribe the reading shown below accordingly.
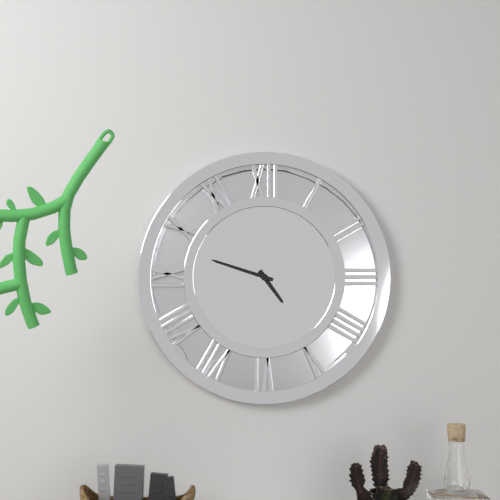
4h48
